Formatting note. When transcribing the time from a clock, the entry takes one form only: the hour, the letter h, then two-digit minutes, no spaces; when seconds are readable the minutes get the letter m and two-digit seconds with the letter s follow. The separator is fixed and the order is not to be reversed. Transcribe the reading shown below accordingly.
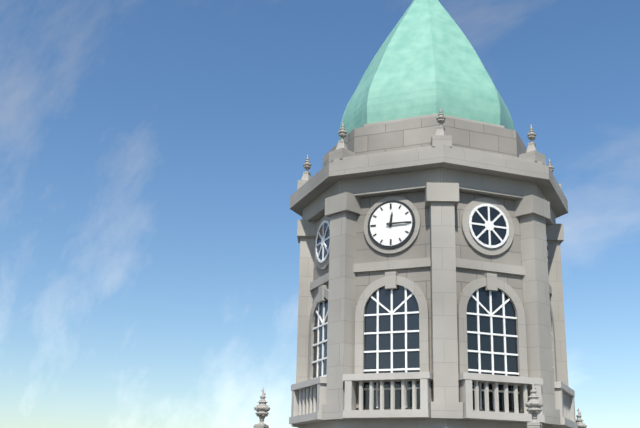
12h15
